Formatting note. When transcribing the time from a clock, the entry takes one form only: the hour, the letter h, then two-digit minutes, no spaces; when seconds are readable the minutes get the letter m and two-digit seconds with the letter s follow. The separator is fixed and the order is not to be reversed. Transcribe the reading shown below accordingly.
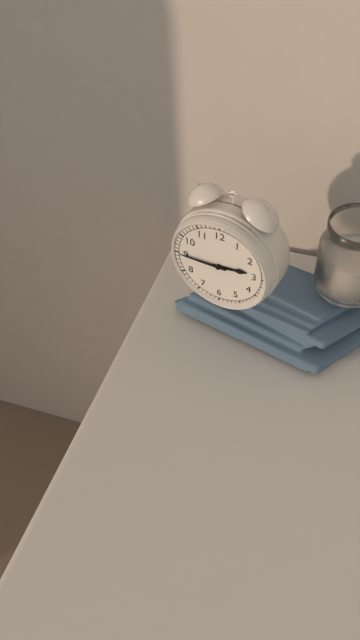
2h45
